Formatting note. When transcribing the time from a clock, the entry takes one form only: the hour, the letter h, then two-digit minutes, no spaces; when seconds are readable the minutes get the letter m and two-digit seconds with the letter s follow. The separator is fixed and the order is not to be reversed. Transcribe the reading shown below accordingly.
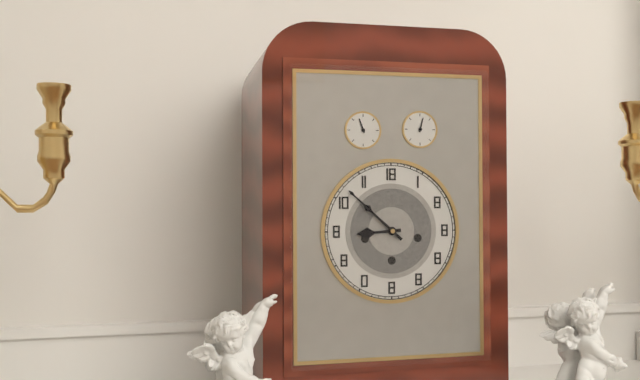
8h52
